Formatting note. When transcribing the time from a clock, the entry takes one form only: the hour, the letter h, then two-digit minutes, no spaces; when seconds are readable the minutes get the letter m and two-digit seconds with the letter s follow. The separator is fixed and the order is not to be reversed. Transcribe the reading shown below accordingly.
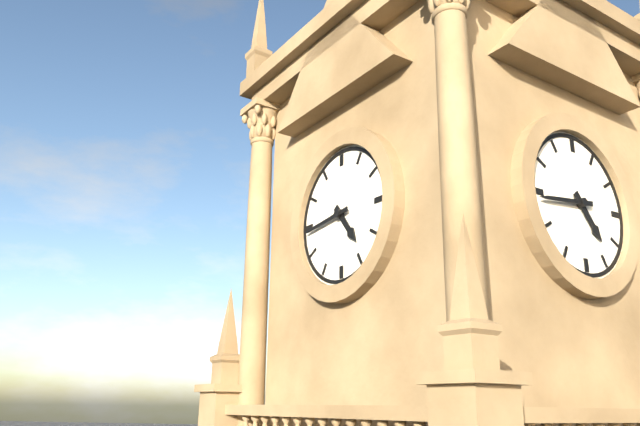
4h44
